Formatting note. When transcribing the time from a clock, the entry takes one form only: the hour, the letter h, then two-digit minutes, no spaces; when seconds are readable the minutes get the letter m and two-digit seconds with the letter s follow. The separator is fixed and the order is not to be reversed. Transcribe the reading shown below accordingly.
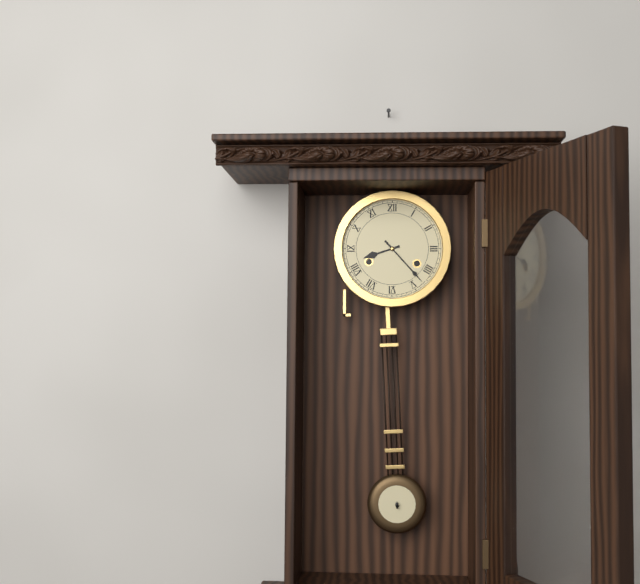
8h23
